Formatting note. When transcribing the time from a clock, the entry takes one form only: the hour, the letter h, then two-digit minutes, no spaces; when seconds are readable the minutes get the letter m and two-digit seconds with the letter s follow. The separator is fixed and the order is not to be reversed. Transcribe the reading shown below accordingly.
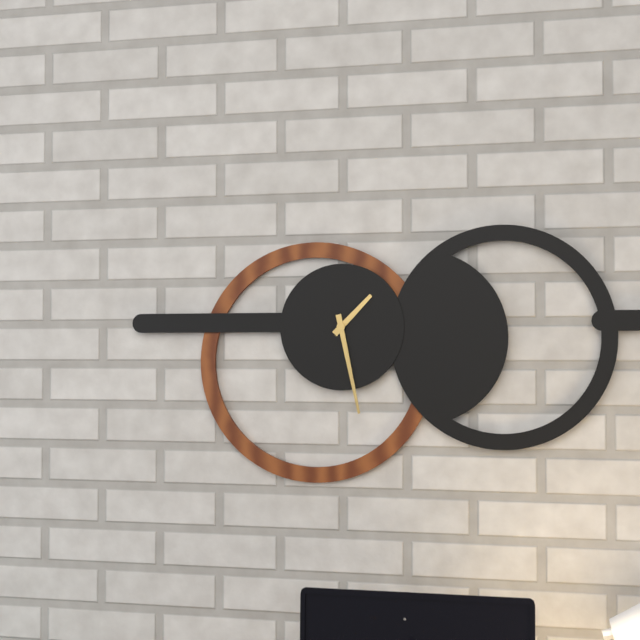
1h28
